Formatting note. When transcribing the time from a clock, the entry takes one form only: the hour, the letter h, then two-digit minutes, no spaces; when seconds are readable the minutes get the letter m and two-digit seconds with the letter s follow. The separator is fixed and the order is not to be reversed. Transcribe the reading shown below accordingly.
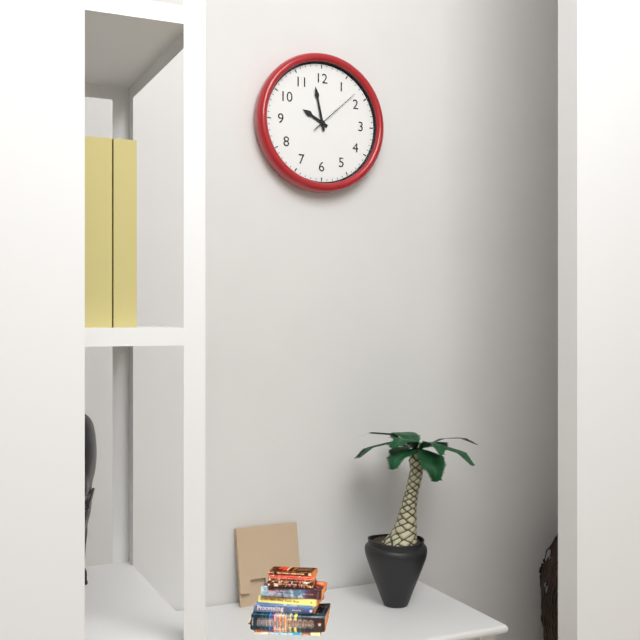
9h58m08s
